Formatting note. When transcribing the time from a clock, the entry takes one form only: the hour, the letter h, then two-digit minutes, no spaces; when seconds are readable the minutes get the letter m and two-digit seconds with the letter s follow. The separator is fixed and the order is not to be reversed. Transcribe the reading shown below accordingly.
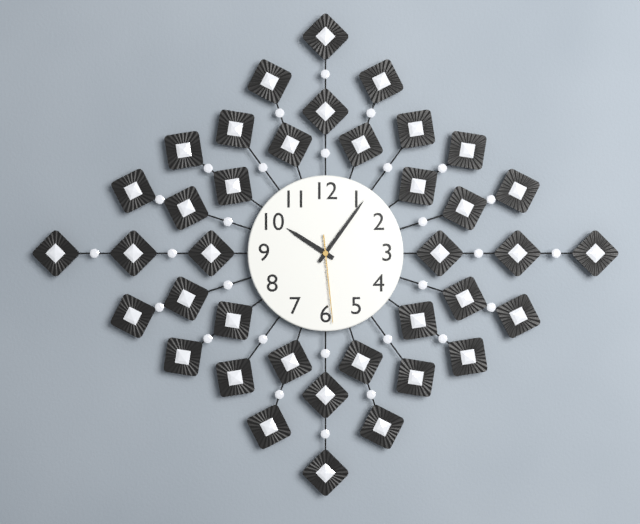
10h06m29s
